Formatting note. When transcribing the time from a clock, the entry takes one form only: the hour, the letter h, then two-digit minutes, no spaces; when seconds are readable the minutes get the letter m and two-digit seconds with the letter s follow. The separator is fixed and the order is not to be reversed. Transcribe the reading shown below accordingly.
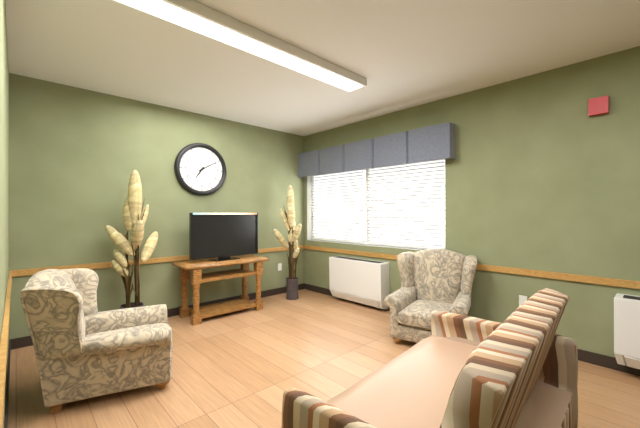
7h10
